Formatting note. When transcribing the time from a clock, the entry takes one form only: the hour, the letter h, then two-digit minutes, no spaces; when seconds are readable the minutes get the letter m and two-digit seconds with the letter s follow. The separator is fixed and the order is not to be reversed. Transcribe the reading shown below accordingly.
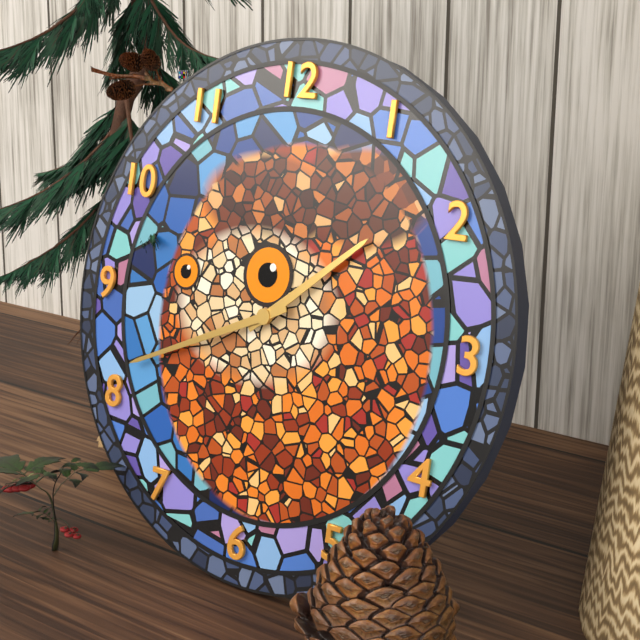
1h41
